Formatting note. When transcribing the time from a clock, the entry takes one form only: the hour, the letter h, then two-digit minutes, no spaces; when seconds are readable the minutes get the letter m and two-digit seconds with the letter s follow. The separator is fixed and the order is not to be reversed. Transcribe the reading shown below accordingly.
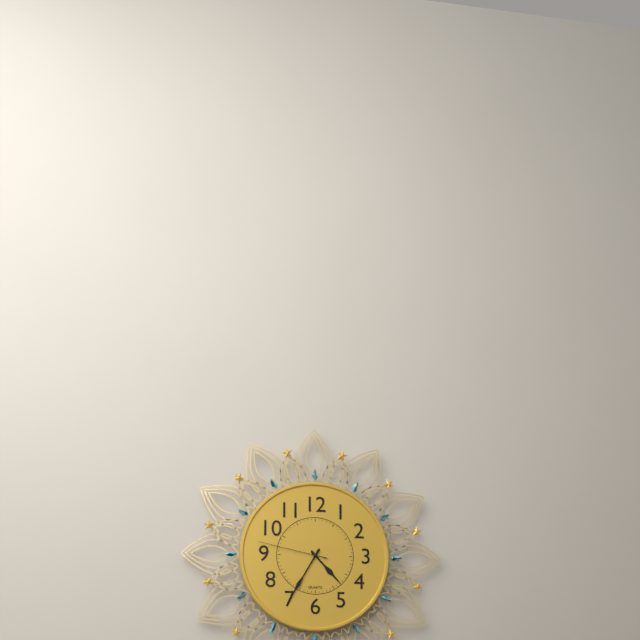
4h35m47s
